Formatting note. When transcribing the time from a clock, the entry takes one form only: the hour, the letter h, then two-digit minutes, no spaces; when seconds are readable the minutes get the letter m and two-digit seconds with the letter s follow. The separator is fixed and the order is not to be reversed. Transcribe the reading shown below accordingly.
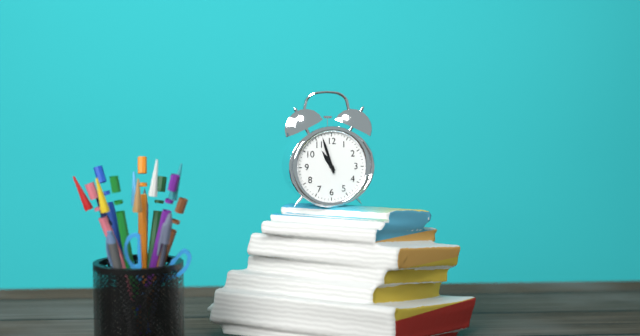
10h57
